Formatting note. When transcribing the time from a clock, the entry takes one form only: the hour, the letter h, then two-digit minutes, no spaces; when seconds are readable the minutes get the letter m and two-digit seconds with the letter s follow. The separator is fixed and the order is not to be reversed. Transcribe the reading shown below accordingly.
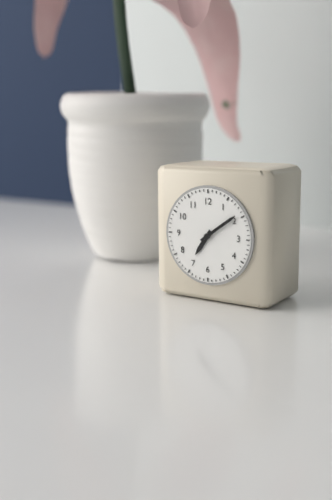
7h09
